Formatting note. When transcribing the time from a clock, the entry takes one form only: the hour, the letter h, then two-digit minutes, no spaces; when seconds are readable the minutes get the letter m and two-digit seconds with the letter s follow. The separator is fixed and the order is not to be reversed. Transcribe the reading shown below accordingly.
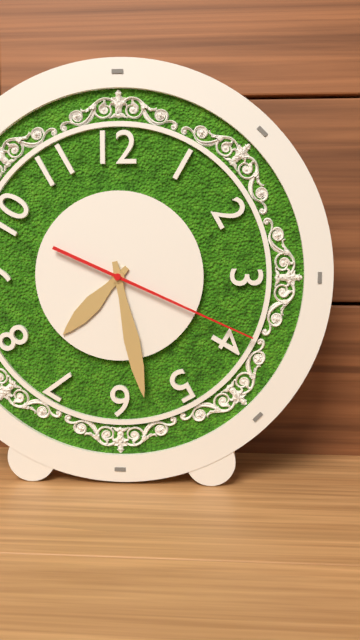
7h28m19s
